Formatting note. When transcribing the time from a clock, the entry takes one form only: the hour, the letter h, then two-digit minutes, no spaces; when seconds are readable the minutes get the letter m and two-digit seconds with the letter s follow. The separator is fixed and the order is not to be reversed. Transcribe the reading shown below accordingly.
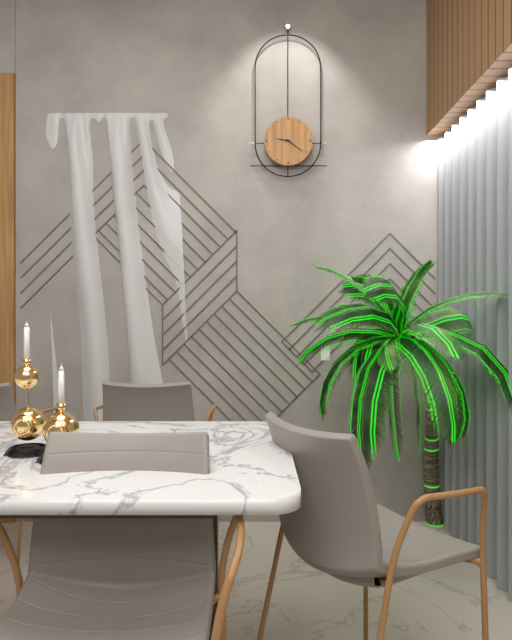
9h21
